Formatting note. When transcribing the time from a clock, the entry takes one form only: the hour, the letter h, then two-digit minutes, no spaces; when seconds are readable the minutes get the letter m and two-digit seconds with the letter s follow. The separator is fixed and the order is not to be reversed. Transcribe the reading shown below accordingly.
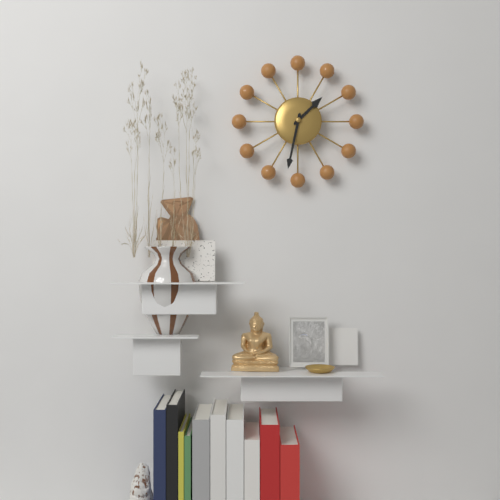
1h32
